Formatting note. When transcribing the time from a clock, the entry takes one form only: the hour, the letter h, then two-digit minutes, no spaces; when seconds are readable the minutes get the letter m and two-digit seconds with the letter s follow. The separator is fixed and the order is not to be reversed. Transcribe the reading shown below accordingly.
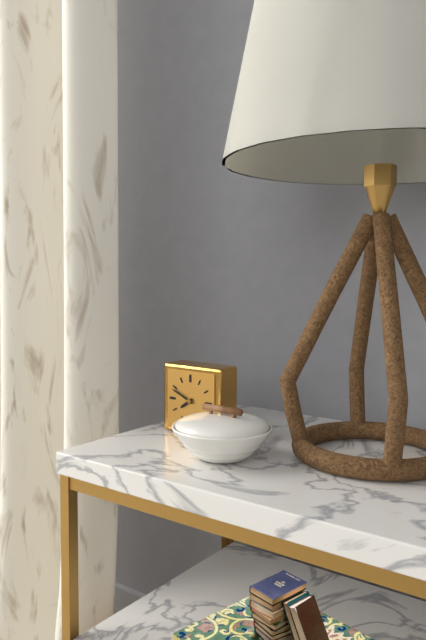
7h49
